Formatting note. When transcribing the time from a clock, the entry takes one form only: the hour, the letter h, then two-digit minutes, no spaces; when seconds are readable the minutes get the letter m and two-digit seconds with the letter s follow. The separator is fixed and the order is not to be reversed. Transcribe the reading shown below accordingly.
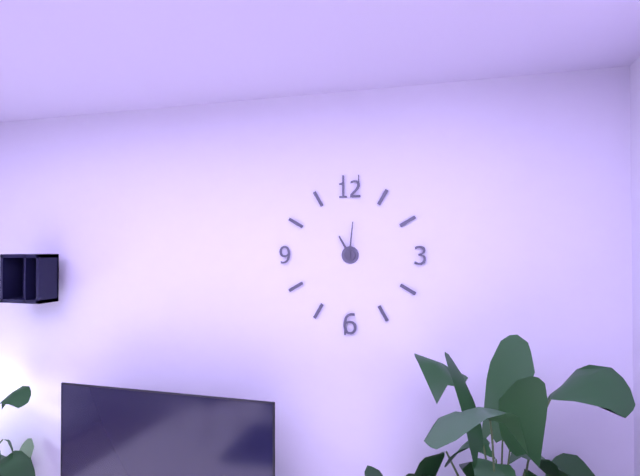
11h01
